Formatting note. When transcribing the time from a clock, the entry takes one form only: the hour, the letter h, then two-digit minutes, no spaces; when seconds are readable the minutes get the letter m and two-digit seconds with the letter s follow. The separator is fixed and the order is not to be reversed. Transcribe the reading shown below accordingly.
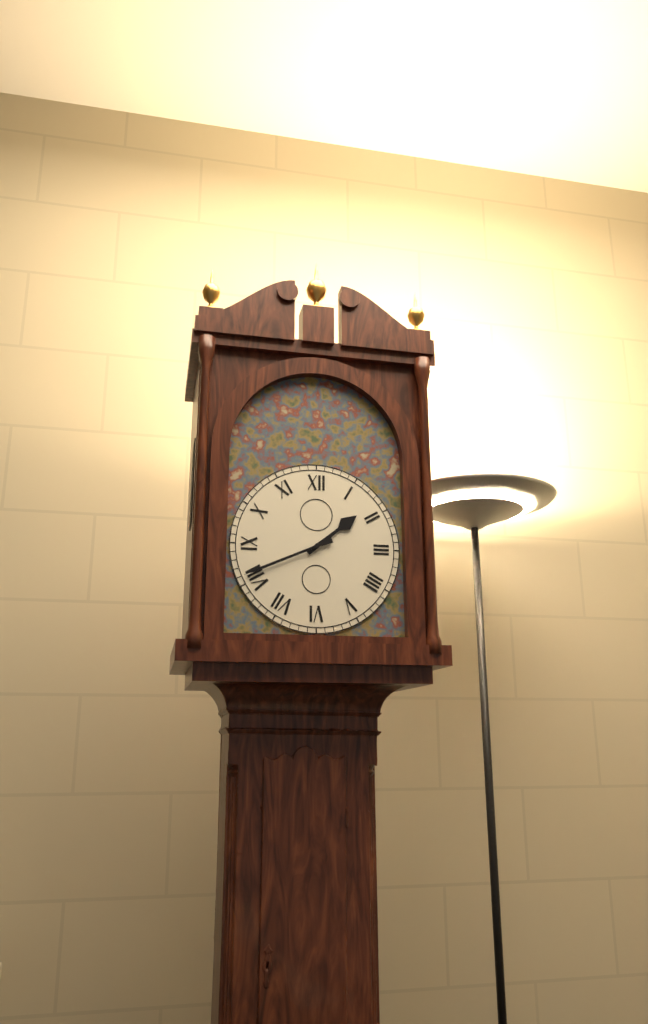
1h41
